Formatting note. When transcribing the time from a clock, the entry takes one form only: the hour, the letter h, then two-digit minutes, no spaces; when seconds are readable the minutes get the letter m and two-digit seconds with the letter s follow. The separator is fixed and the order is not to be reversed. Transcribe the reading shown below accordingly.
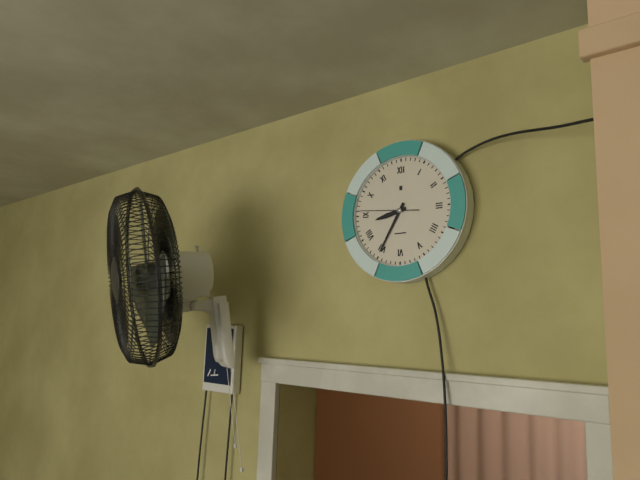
8h35m46s
